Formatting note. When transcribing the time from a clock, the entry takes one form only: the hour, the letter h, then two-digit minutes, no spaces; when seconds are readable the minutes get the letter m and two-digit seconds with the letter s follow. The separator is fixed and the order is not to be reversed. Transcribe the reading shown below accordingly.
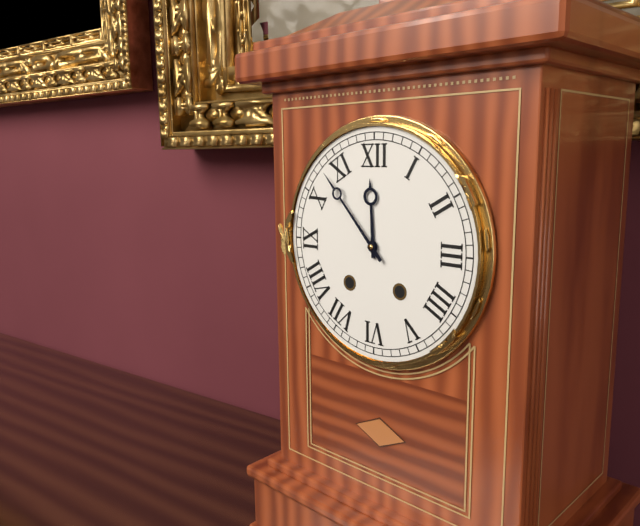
11h53
